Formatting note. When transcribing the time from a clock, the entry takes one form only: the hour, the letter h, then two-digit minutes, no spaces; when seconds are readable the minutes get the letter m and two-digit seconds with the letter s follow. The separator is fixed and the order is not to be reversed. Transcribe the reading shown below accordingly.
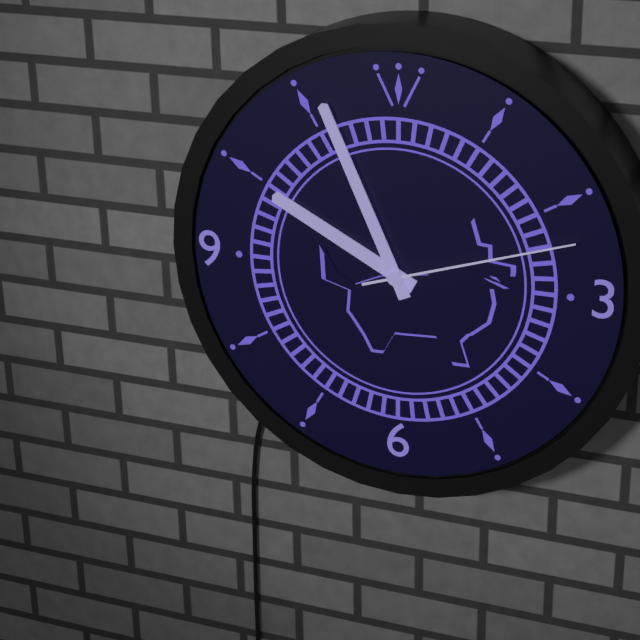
9h56m12s
